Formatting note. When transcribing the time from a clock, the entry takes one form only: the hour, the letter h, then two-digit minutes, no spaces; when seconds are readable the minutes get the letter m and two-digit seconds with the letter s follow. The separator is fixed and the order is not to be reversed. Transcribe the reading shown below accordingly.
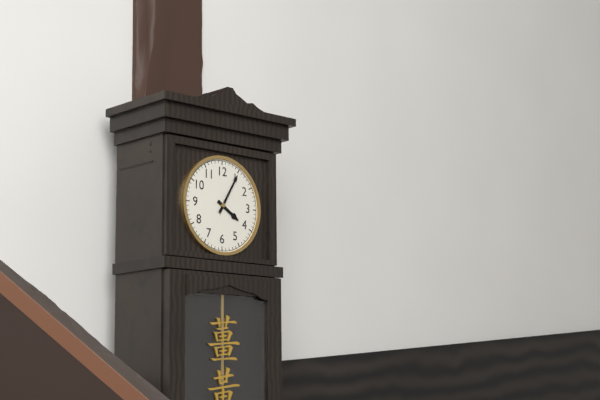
4h05
